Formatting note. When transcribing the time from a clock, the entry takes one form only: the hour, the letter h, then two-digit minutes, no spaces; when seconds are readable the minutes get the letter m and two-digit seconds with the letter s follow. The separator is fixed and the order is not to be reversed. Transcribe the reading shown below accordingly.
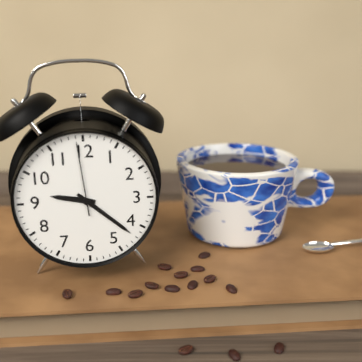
9h22m59s
